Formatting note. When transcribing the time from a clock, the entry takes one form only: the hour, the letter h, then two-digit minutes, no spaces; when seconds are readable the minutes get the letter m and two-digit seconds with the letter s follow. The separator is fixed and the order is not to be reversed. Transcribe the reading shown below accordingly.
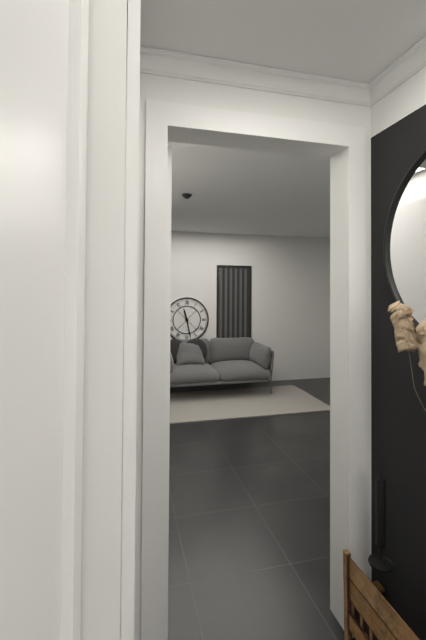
11h28
